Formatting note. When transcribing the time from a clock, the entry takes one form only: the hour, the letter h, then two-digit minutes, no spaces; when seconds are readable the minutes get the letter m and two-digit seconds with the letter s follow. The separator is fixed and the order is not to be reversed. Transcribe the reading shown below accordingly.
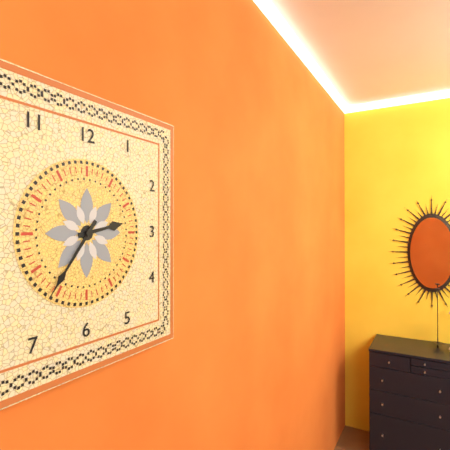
2h36
